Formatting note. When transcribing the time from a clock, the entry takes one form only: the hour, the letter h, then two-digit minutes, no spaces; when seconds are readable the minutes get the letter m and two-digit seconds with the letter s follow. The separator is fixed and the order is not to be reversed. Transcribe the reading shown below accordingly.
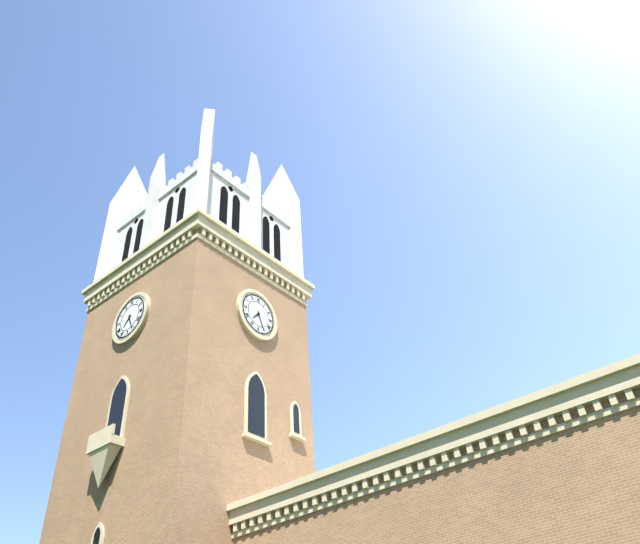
7h26
